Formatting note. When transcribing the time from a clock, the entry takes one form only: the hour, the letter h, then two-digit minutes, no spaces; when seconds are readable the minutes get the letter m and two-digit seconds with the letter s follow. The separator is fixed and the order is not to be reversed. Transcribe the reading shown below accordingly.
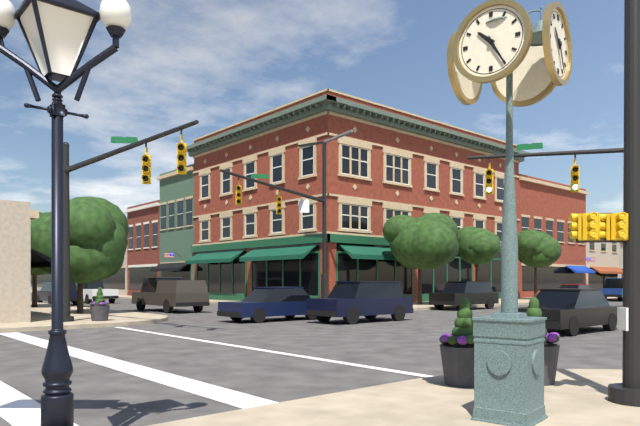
10h25
